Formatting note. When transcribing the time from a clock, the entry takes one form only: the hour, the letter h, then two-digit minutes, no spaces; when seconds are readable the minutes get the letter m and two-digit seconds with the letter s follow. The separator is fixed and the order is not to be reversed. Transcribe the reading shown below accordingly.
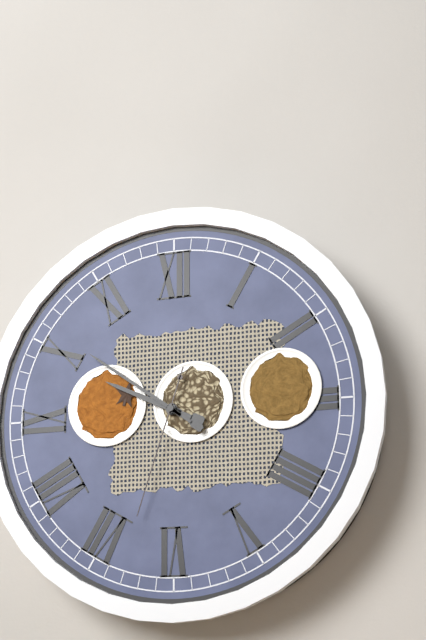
9h51m33s
